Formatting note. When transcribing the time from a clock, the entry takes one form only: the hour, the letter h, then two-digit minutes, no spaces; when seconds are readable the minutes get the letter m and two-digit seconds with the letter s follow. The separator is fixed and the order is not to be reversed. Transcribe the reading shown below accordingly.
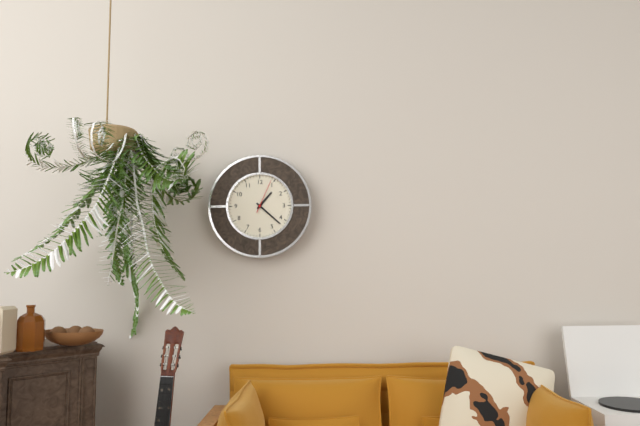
1h22
